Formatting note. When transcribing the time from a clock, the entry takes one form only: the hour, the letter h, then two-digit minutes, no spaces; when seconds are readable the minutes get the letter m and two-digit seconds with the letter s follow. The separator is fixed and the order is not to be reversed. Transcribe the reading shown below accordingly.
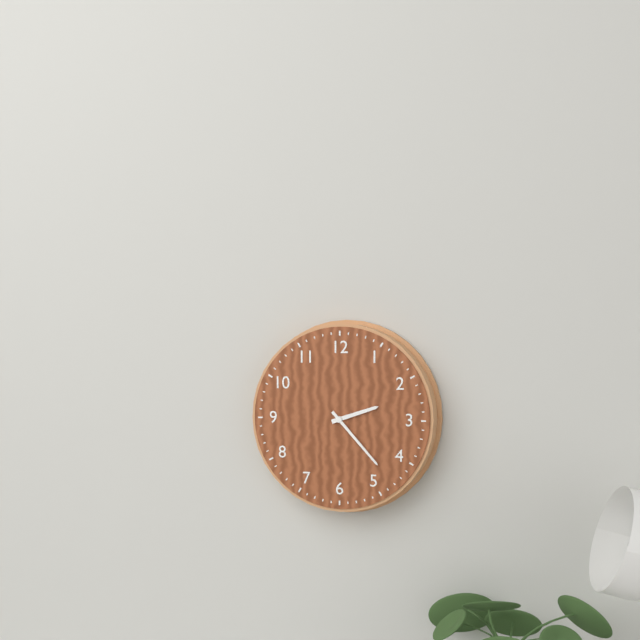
2h23
